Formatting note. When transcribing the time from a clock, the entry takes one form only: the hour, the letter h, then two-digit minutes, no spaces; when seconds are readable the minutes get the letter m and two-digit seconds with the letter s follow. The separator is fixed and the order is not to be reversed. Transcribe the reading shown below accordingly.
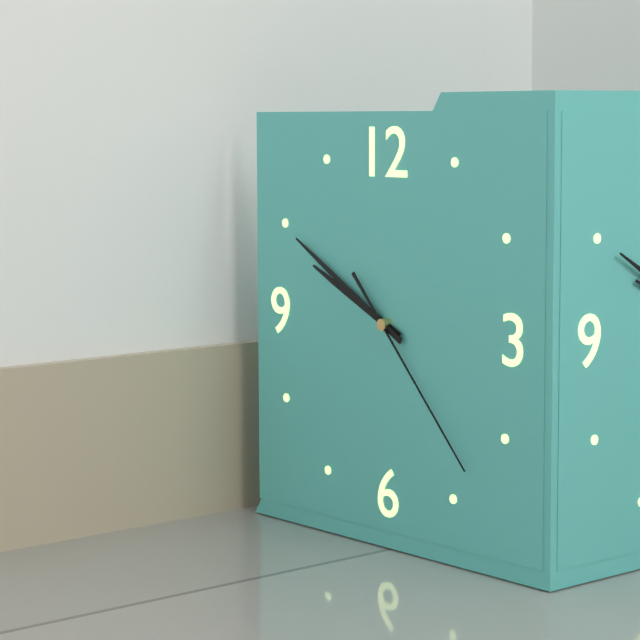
9h50m23s
